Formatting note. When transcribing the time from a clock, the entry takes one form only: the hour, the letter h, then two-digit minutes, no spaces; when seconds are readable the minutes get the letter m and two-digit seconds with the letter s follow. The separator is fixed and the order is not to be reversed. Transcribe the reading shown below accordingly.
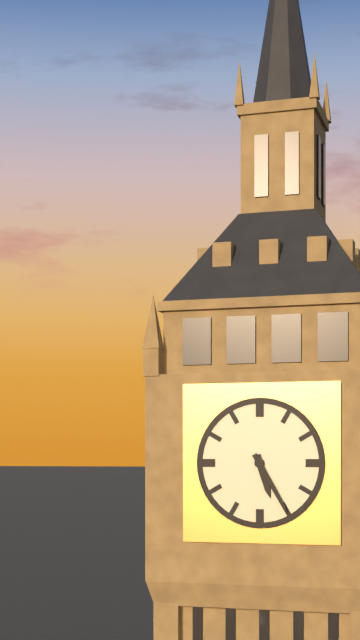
5h25
